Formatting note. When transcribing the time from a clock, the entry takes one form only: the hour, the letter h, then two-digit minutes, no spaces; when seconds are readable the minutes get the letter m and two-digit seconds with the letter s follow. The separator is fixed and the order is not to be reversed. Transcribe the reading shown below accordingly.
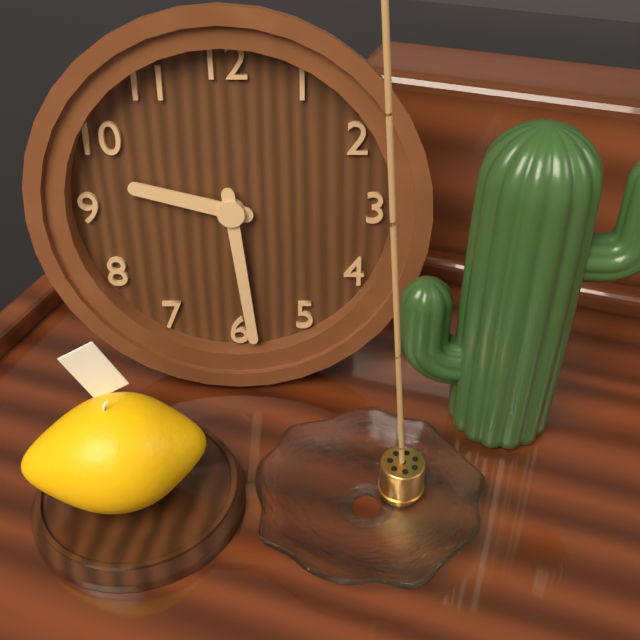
9h29
